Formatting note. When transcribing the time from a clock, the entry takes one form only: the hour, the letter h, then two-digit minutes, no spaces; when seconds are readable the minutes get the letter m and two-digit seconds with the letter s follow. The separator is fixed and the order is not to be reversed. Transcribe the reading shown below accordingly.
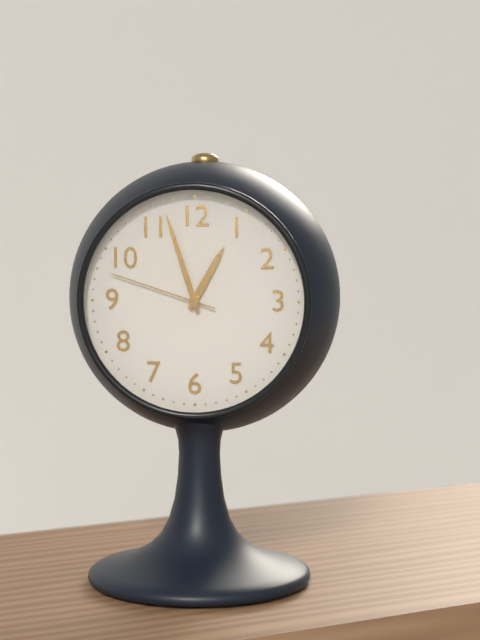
12h57m48s
